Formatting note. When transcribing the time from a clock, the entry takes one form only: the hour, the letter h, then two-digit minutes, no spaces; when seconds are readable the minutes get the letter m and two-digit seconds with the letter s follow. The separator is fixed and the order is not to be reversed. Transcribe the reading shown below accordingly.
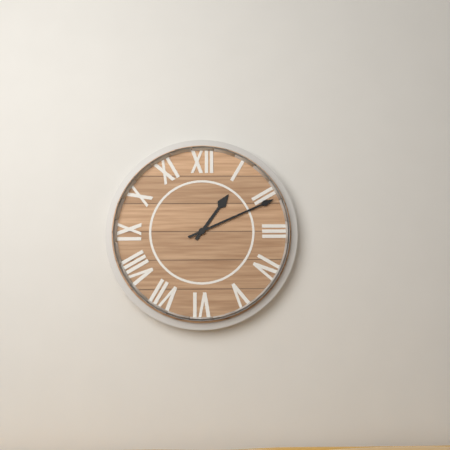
1h11
